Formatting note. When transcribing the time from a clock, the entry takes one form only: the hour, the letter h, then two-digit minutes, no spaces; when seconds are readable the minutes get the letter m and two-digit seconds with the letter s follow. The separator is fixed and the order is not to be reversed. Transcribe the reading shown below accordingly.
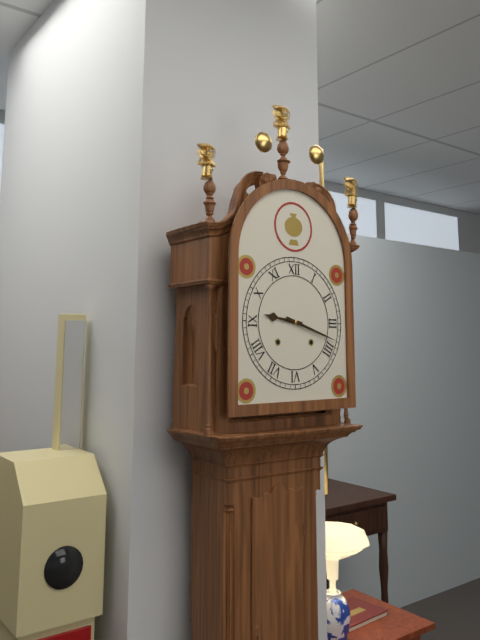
9h18
